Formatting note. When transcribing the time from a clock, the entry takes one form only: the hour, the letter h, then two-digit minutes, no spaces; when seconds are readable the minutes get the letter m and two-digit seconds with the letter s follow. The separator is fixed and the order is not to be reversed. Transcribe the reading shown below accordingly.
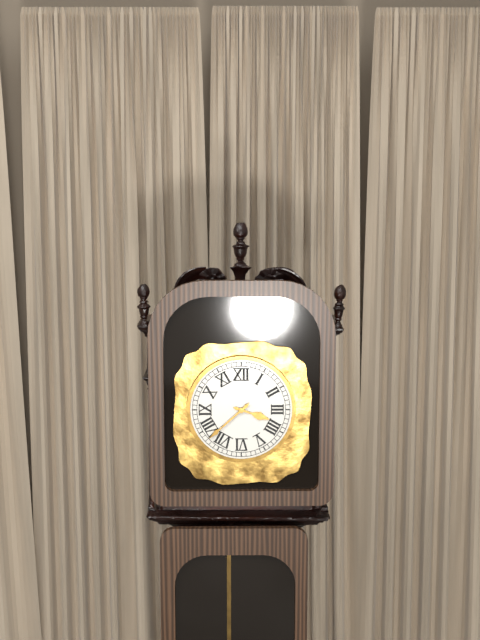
3h38
